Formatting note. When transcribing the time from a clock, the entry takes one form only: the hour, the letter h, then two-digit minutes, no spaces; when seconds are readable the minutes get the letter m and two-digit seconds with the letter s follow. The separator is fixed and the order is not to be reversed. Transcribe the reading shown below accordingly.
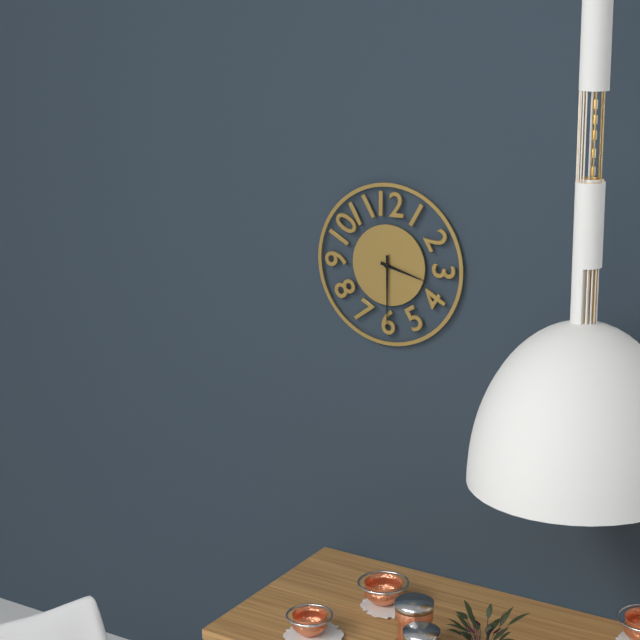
3h30
